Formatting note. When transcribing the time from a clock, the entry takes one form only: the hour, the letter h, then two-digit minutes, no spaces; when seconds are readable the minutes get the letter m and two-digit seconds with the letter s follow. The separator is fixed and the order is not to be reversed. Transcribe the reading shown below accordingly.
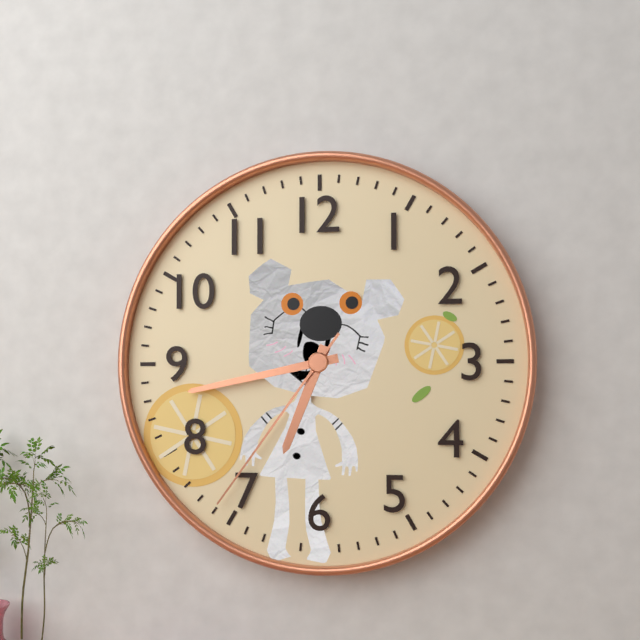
6h43m36s
